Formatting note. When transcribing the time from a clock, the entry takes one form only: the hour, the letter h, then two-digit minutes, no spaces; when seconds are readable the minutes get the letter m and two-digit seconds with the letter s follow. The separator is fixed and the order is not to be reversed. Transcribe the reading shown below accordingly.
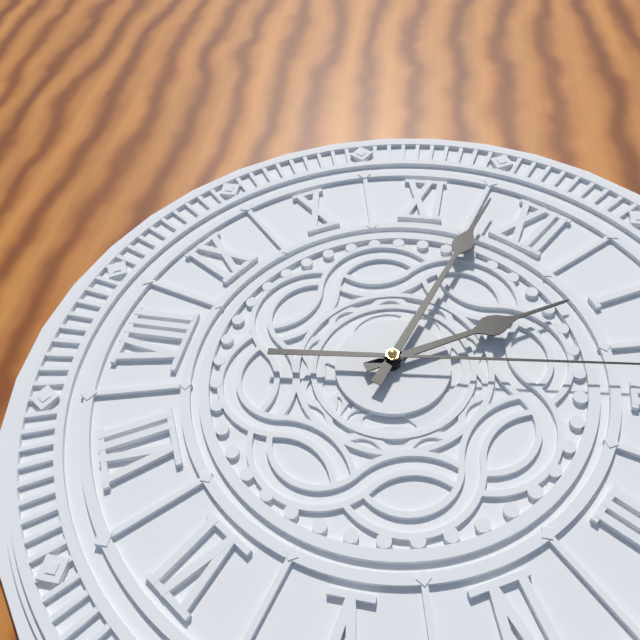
12h58
